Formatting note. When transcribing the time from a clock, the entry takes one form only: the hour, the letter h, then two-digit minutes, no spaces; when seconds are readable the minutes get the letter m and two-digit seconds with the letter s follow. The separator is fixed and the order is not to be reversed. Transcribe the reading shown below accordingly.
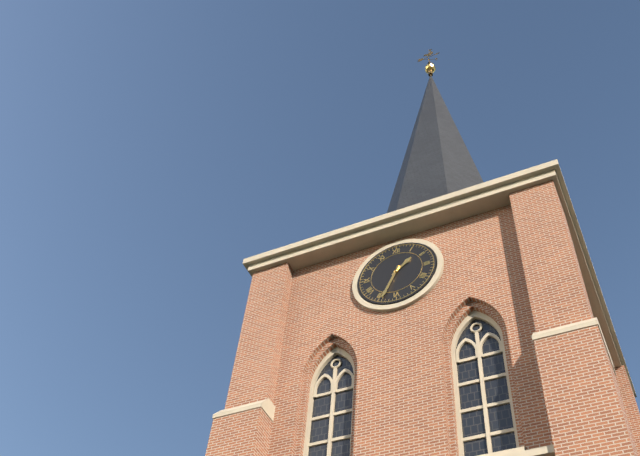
1h34
